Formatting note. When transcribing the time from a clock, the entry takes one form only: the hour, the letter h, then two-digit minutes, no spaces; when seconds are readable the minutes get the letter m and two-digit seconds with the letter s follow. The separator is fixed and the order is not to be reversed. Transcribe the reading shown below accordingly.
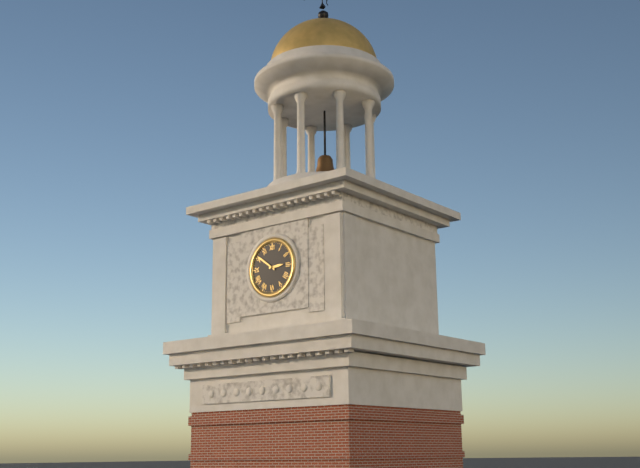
2h51
